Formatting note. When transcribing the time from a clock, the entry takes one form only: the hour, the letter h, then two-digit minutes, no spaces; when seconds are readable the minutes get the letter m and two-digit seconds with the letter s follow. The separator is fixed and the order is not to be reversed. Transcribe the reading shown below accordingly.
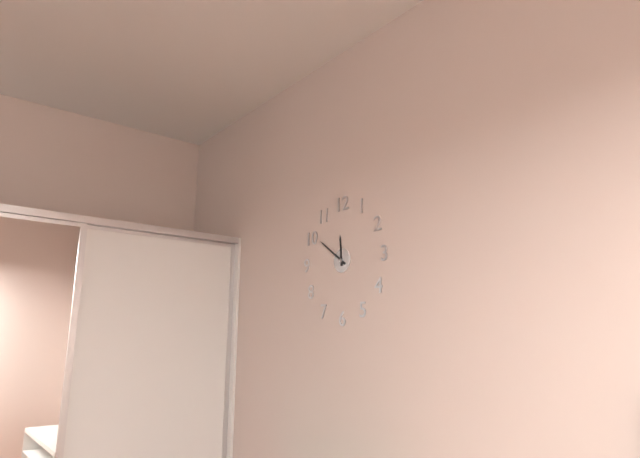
11h51
